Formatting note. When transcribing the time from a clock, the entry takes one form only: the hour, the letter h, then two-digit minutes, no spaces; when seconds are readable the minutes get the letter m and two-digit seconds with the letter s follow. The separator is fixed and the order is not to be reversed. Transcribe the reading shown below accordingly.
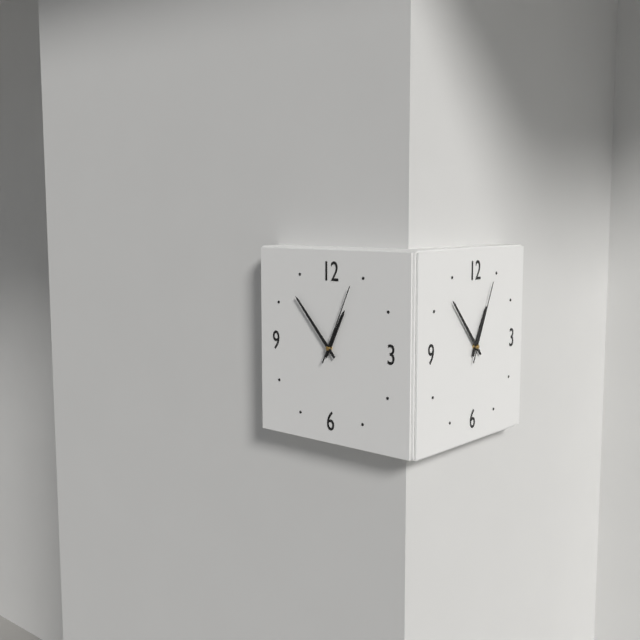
12h53m04s
